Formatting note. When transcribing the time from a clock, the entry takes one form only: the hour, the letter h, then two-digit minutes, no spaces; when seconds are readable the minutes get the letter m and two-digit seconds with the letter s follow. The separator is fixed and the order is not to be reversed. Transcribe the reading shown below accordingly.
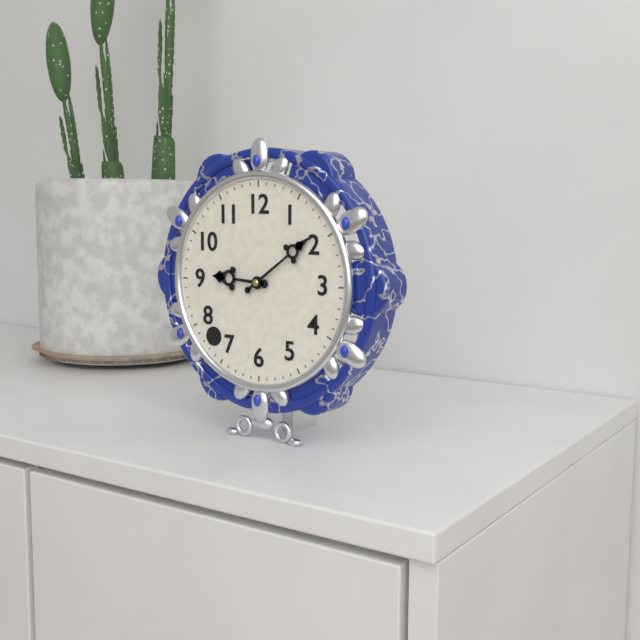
9h09
